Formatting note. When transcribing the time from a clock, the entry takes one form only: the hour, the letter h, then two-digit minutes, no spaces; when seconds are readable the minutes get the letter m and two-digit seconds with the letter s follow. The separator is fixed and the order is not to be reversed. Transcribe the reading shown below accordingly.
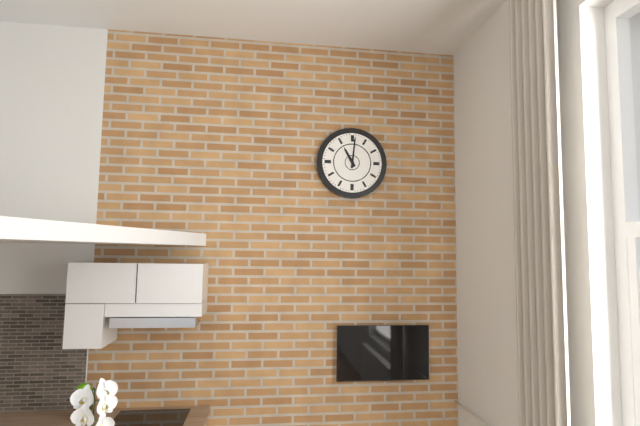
11h01
